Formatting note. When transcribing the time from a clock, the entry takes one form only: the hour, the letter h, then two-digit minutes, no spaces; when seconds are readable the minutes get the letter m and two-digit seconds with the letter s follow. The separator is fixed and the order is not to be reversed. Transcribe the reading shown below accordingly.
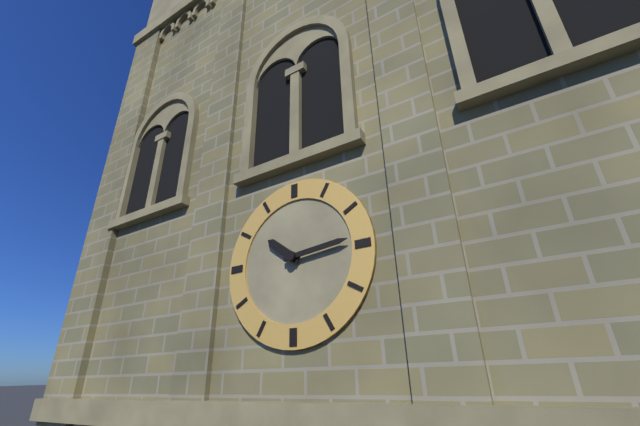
10h14
